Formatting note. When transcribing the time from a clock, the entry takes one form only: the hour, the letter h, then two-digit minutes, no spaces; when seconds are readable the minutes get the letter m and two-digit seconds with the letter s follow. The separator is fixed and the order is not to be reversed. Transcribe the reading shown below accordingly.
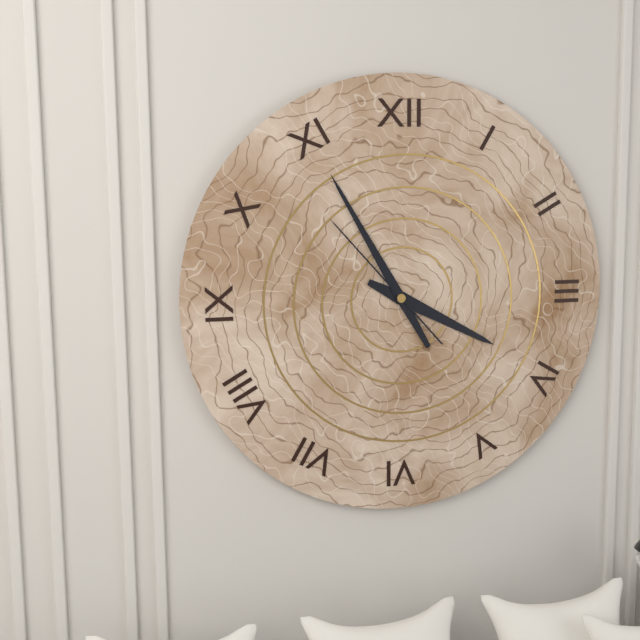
3h55m53s
